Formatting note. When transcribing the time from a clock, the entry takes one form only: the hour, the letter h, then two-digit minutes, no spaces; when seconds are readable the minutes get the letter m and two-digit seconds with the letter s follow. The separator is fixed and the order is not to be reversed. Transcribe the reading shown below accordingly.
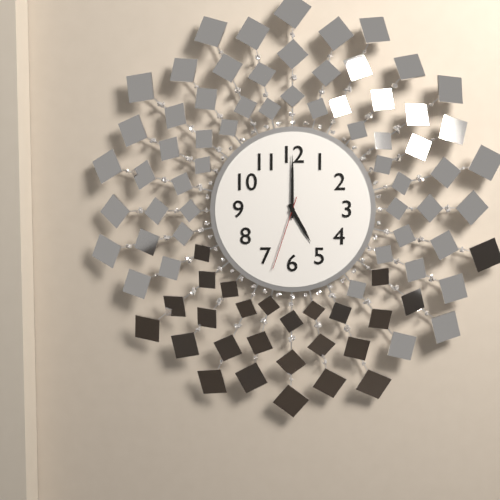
5h00m33s
